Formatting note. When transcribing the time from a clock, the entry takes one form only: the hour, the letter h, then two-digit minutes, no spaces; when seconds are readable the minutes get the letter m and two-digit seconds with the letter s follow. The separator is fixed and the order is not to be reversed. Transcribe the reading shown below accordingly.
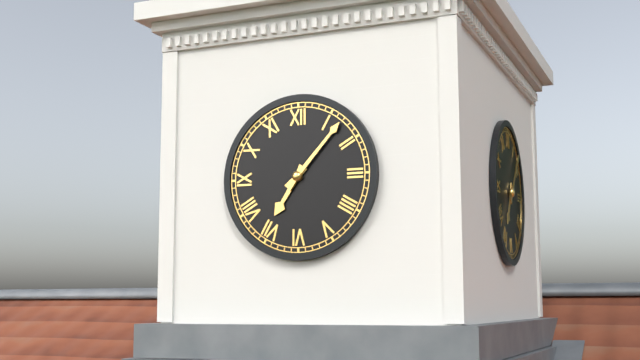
7h07
